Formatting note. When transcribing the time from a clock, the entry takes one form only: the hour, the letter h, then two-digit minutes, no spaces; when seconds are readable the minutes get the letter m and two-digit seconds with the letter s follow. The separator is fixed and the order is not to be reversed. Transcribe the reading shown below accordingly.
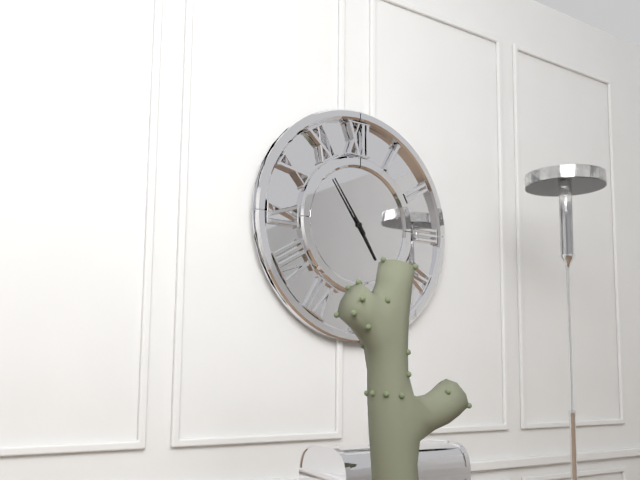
4h54
